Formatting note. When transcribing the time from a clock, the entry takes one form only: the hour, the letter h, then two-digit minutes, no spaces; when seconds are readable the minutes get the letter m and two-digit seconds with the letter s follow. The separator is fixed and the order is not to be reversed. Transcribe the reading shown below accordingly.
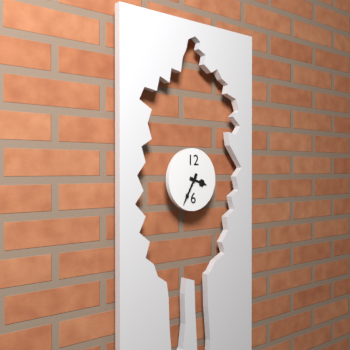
3h35
